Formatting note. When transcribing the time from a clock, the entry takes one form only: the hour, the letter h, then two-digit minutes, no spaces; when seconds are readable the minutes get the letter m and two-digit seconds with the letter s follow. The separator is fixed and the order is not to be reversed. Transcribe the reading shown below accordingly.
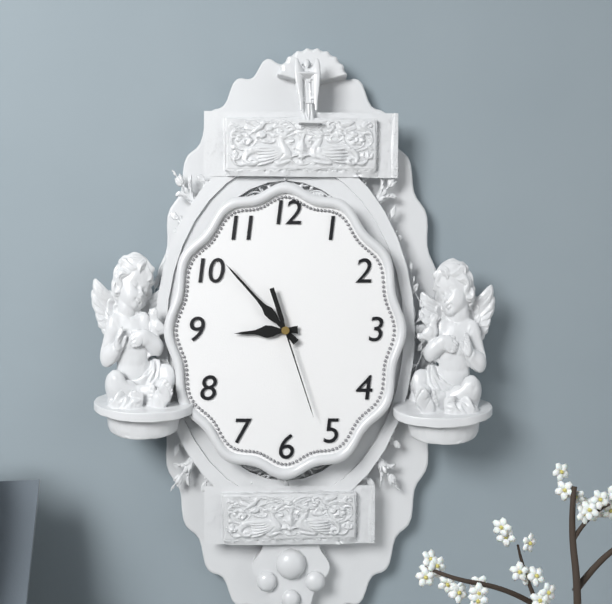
8h53m27s
